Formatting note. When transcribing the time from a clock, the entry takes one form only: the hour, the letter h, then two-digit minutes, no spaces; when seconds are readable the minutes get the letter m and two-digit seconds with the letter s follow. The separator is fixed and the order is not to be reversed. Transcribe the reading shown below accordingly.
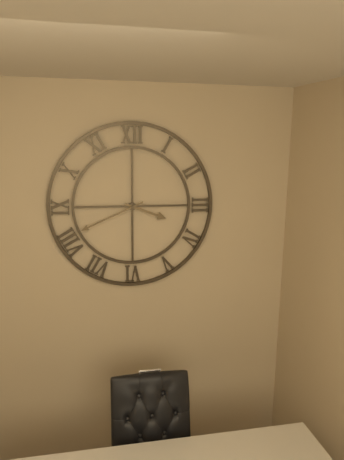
3h41
